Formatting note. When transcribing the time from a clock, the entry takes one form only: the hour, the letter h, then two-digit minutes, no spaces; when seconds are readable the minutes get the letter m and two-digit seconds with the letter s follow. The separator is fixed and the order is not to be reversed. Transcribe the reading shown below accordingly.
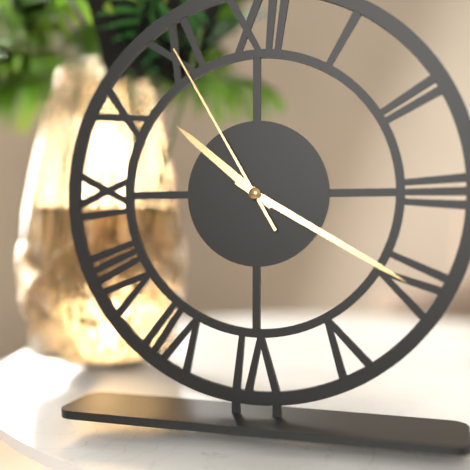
10h20m55s
